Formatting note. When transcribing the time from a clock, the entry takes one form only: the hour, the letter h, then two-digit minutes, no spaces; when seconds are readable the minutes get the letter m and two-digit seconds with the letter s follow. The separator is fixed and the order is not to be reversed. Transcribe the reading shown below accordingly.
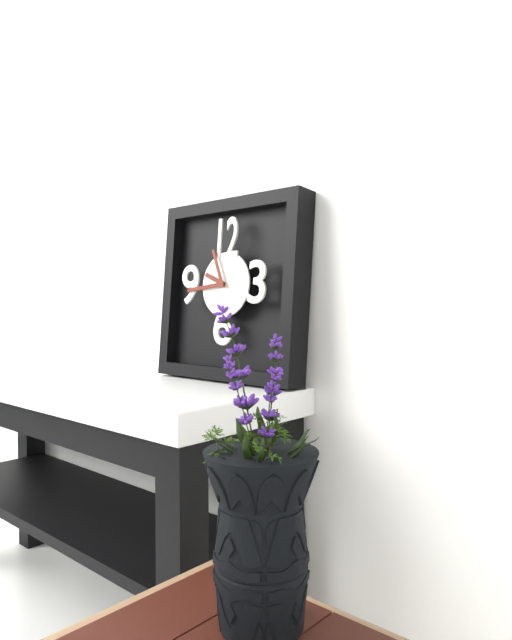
9h44
